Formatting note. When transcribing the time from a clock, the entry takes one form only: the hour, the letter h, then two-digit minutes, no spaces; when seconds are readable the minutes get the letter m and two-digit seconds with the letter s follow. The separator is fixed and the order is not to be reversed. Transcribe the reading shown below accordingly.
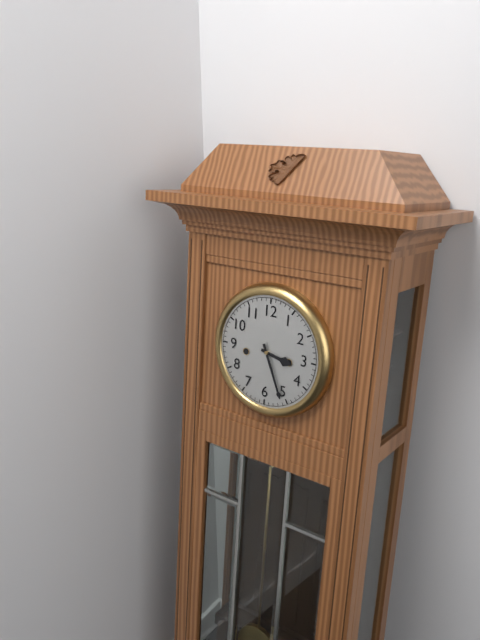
3h26
